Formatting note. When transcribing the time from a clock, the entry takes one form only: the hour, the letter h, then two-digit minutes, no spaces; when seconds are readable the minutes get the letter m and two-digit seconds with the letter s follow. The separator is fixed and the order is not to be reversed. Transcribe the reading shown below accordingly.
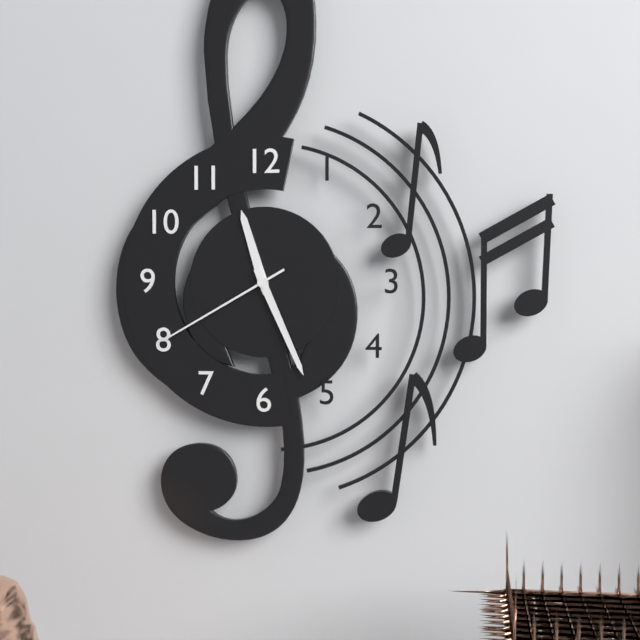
11h26m40s
